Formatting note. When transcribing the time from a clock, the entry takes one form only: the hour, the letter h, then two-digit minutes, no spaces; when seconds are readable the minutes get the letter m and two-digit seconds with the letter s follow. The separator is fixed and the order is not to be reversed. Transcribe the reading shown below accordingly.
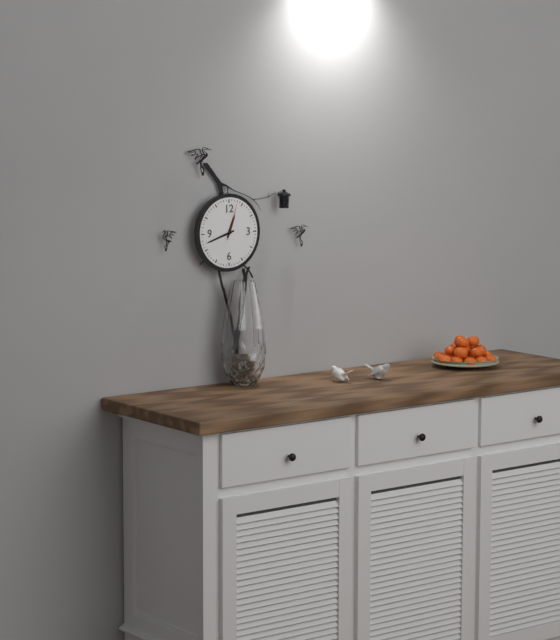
12h42
